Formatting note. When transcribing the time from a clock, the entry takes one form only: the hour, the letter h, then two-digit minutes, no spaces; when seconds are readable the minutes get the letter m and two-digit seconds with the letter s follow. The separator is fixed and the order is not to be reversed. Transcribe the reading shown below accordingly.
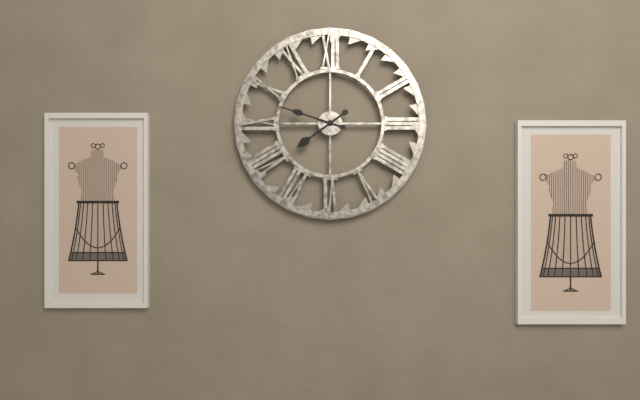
7h48
